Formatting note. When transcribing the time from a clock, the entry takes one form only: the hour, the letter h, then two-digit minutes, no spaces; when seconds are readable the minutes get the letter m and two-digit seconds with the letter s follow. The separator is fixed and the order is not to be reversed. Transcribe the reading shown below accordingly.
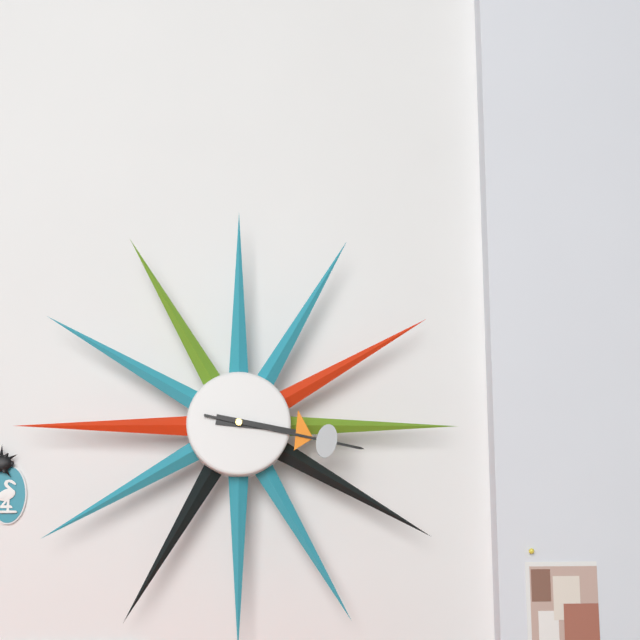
3h17
